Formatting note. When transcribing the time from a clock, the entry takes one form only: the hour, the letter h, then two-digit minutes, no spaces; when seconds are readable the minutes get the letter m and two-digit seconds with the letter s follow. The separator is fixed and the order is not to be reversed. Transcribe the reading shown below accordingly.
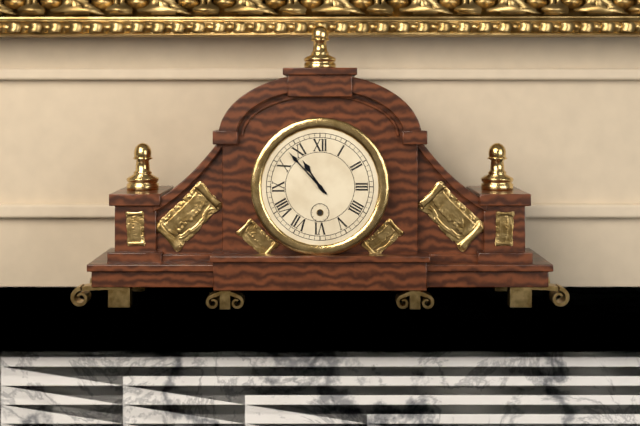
10h53
